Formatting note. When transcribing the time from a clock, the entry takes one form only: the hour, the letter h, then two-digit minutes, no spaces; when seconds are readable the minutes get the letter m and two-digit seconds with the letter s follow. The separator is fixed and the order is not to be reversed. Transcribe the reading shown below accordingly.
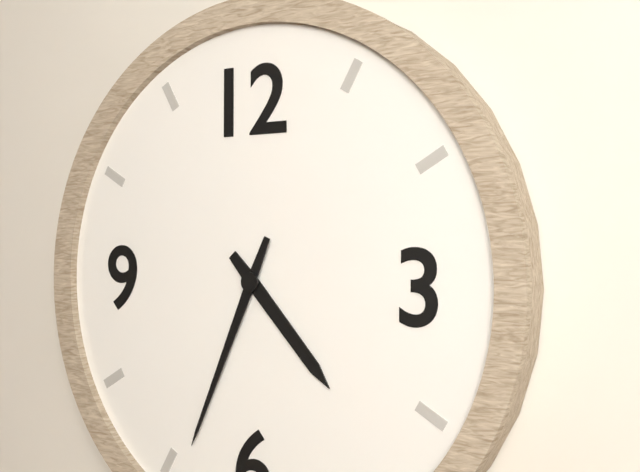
4h34
